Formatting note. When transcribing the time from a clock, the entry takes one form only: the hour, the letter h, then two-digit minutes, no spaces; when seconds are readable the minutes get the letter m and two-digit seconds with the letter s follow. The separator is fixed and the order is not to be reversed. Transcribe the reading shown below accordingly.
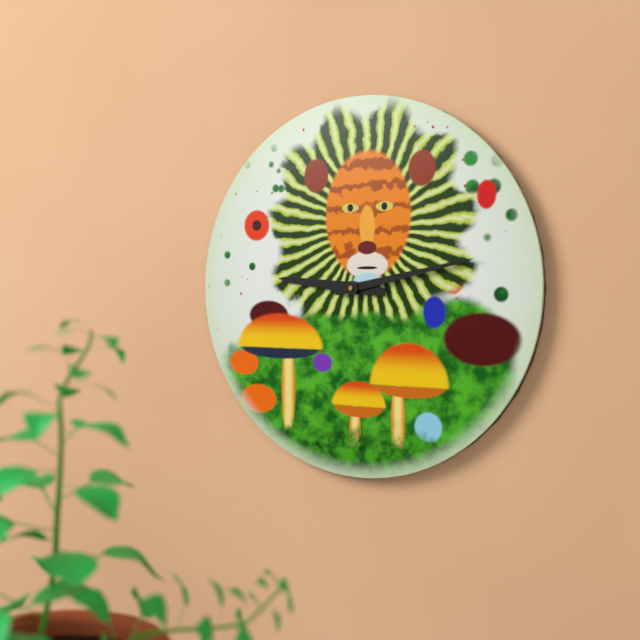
9h13
